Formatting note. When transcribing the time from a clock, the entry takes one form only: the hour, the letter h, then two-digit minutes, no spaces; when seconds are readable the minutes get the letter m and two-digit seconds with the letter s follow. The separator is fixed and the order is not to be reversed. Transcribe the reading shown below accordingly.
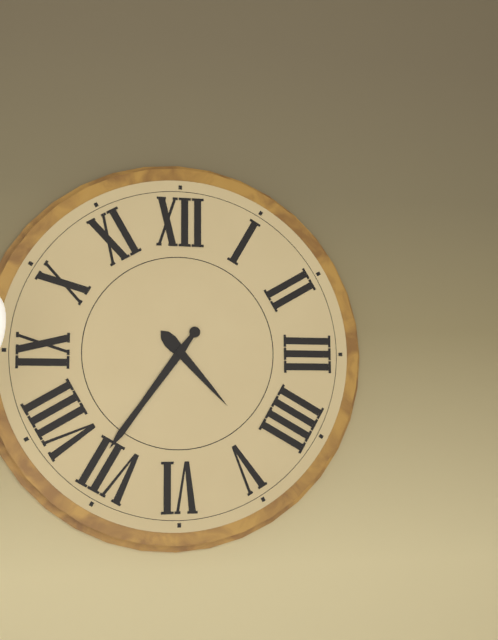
4h36
